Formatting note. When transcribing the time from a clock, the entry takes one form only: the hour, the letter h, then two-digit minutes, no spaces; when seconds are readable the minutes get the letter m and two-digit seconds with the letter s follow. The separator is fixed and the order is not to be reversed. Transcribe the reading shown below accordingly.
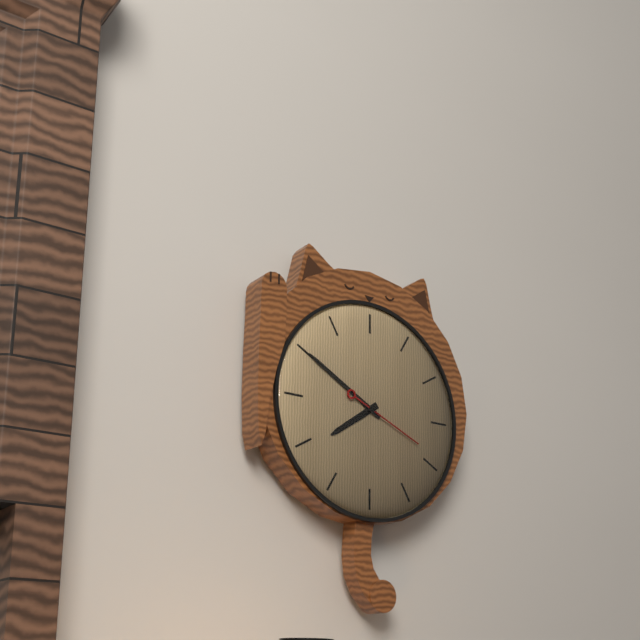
7h50m19s
